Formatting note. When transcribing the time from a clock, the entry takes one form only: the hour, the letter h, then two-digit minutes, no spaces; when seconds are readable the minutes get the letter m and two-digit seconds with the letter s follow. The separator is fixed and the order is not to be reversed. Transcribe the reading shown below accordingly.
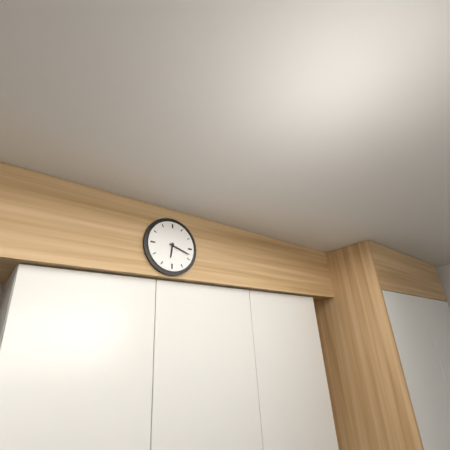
6h18
